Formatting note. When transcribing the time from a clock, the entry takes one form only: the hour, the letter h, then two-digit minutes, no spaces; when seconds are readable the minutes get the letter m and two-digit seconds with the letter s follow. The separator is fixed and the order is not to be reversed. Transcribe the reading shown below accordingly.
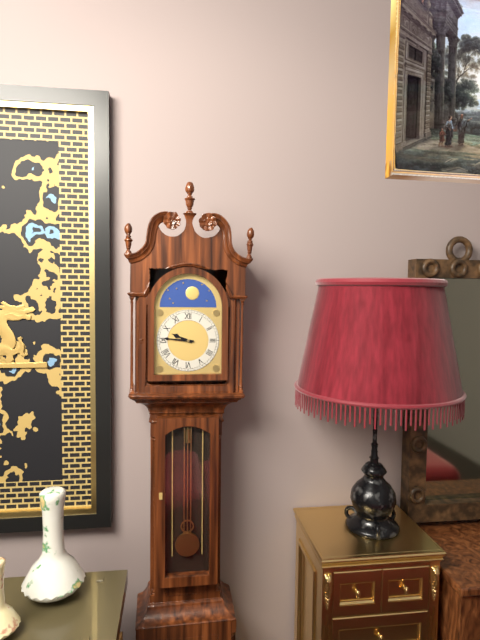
9h46
